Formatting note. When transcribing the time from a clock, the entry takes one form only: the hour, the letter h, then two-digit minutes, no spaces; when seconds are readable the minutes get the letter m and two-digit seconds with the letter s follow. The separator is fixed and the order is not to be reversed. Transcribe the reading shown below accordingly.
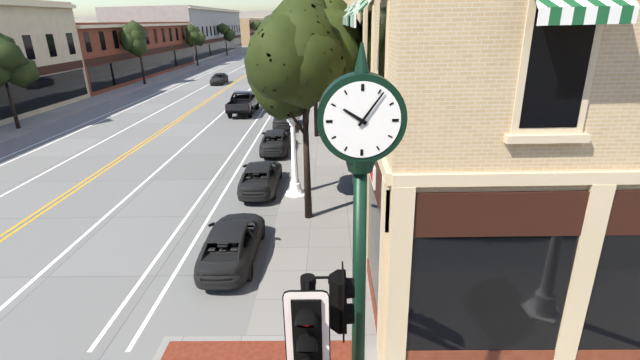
10h06
